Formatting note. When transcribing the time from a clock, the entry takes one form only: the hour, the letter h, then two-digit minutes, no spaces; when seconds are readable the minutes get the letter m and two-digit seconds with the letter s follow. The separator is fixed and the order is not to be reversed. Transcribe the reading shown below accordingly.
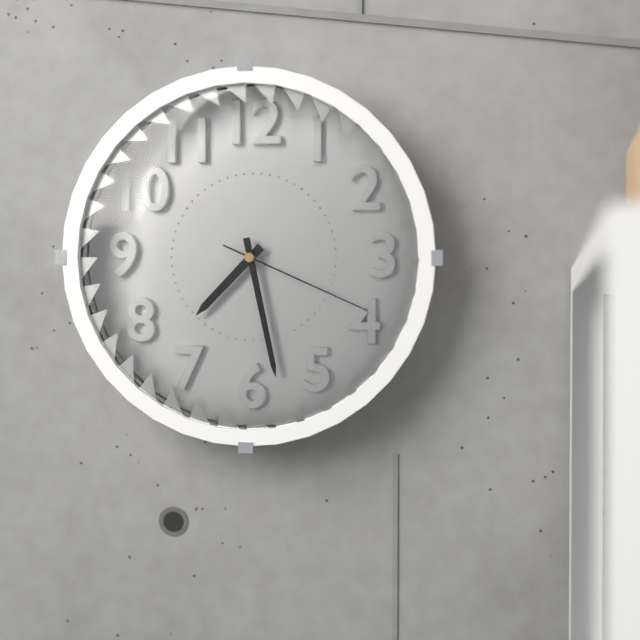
7h28m19s
